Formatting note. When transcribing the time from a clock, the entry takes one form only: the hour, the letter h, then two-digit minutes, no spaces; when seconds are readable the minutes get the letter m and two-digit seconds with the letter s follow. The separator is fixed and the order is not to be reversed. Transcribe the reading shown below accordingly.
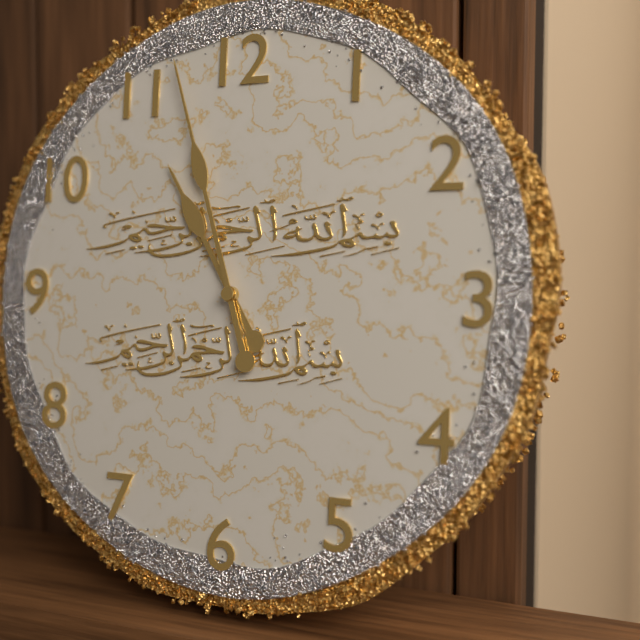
10h57
